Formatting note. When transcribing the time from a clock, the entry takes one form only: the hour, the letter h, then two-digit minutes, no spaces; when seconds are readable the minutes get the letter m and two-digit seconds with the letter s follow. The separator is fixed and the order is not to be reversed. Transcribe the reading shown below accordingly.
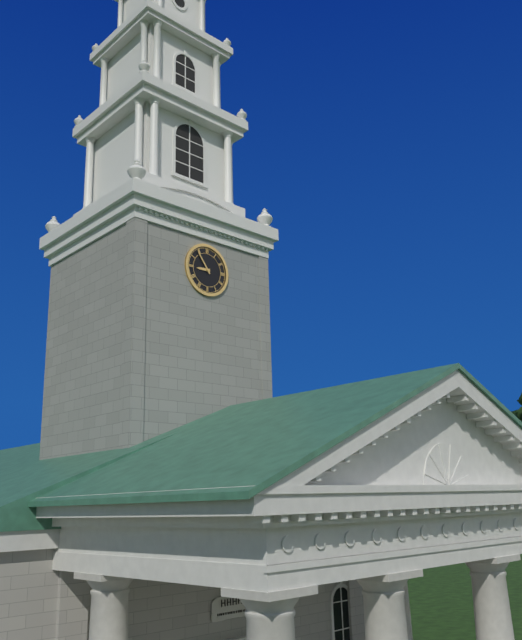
8h54
